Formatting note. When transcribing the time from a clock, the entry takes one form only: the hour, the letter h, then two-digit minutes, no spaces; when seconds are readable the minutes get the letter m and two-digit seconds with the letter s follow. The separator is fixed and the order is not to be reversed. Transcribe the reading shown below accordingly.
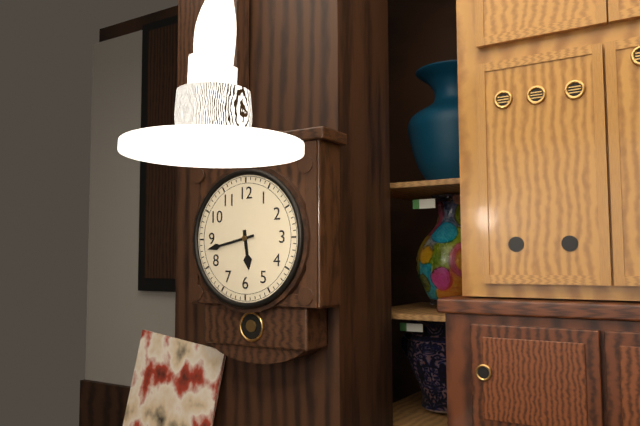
5h43
